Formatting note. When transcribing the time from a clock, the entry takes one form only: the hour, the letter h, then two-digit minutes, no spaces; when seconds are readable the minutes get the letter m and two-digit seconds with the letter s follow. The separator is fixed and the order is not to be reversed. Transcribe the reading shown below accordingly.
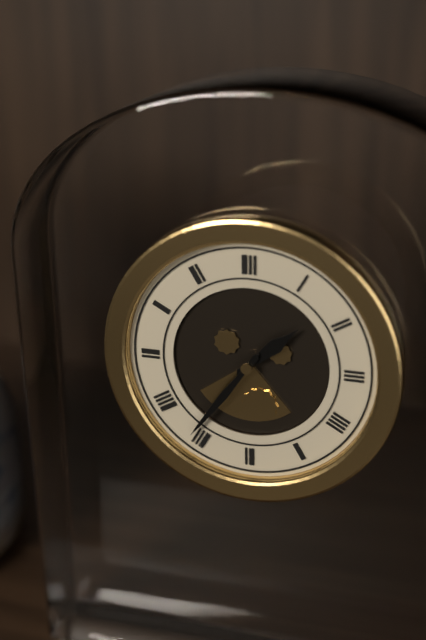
1h36
